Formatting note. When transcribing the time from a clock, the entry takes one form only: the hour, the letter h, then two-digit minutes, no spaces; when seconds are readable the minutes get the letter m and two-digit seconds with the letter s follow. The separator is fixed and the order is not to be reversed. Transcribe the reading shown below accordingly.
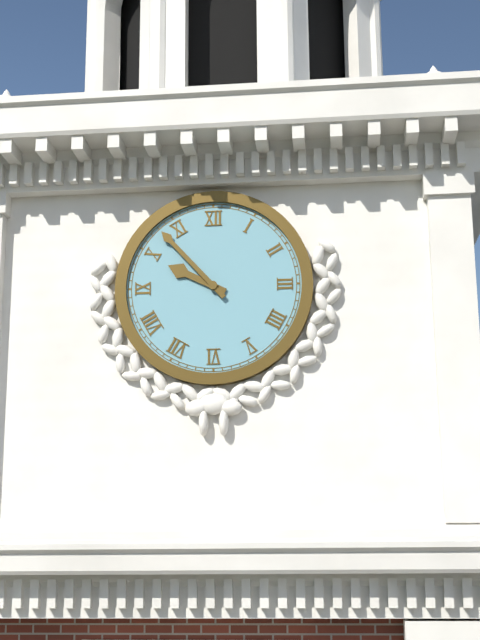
9h53
